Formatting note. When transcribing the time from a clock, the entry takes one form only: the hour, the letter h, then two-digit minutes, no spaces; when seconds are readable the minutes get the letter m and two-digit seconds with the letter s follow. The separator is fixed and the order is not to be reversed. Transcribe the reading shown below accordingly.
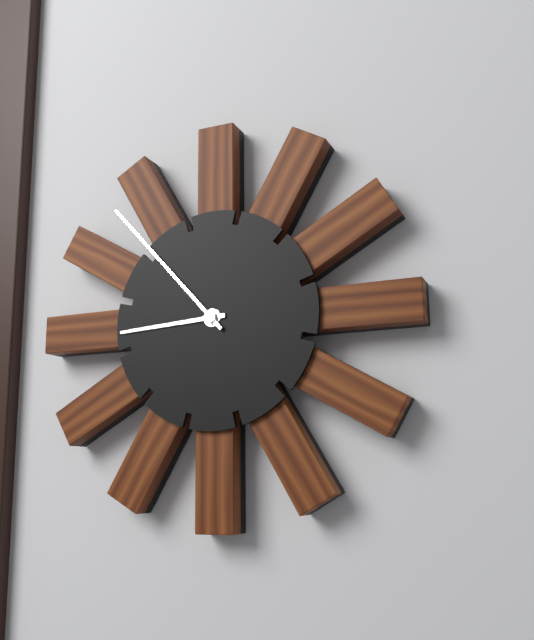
8h53
